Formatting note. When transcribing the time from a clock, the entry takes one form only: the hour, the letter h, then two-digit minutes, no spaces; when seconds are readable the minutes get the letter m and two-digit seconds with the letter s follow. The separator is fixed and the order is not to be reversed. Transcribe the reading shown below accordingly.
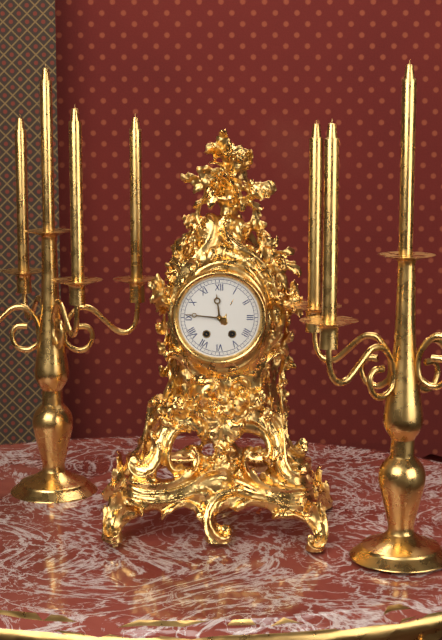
11h46
